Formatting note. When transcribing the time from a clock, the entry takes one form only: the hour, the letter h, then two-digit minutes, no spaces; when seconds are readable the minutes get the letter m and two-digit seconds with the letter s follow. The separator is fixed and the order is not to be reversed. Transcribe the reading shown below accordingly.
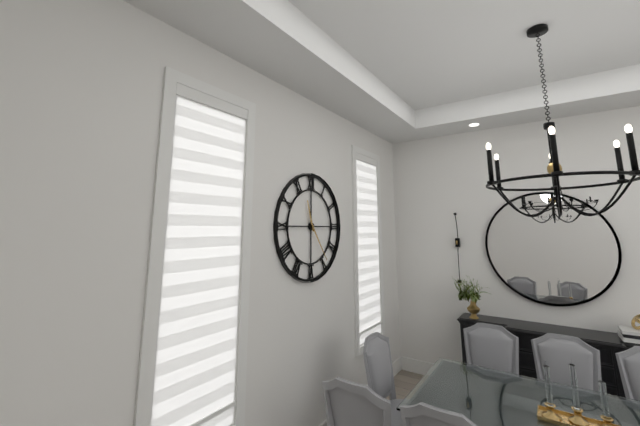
11h24
